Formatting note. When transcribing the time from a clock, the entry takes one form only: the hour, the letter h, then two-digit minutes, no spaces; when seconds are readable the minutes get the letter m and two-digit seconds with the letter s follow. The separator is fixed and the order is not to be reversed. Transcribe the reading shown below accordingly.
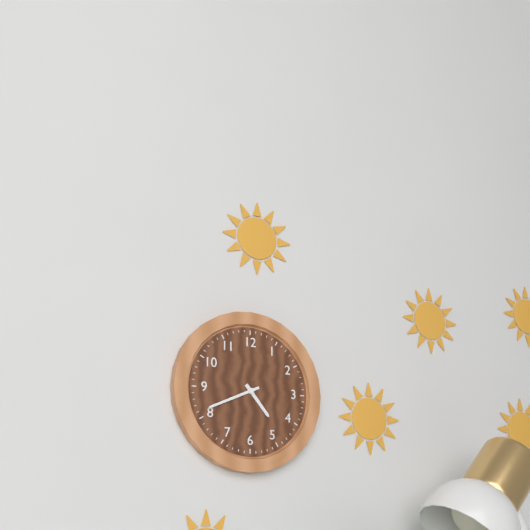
4h41
